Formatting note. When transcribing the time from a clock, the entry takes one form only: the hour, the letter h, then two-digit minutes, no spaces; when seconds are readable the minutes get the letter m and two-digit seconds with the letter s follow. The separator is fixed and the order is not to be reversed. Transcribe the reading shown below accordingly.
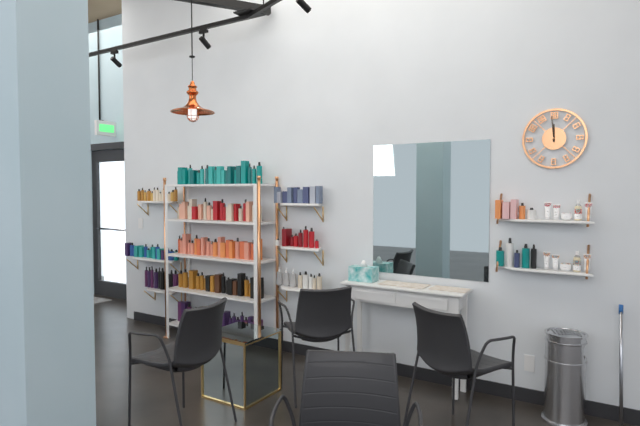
11h59
